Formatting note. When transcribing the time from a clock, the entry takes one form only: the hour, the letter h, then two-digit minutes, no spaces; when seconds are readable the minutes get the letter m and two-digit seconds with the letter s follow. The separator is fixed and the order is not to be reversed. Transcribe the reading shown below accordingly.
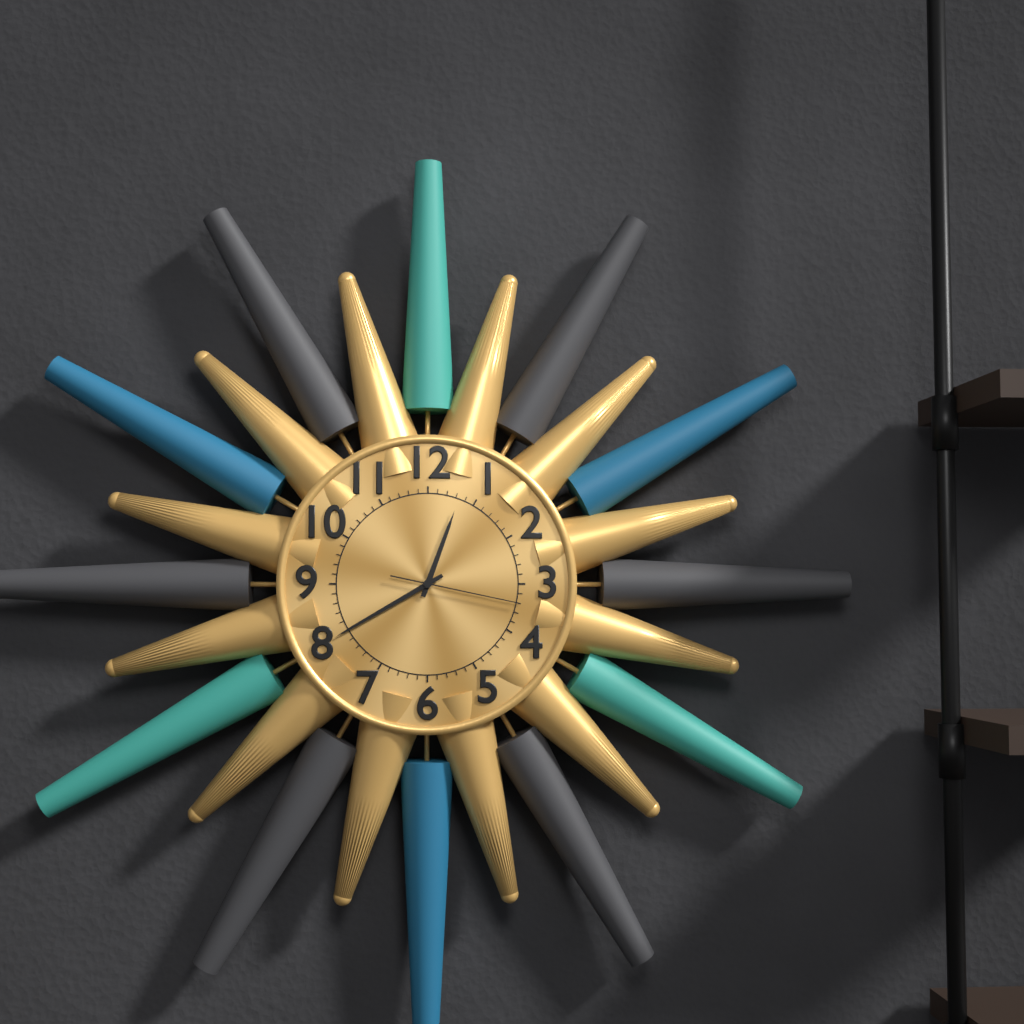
12h40m17s
